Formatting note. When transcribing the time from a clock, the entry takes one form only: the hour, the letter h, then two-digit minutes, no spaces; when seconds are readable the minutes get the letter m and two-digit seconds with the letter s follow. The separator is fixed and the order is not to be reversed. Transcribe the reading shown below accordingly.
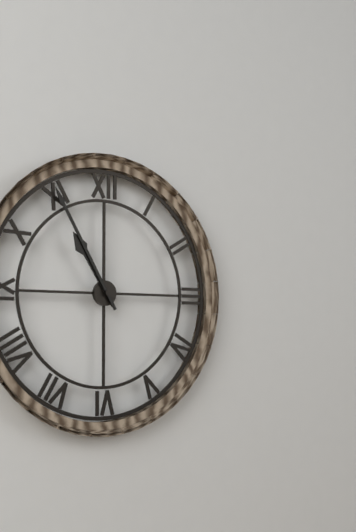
10h55
